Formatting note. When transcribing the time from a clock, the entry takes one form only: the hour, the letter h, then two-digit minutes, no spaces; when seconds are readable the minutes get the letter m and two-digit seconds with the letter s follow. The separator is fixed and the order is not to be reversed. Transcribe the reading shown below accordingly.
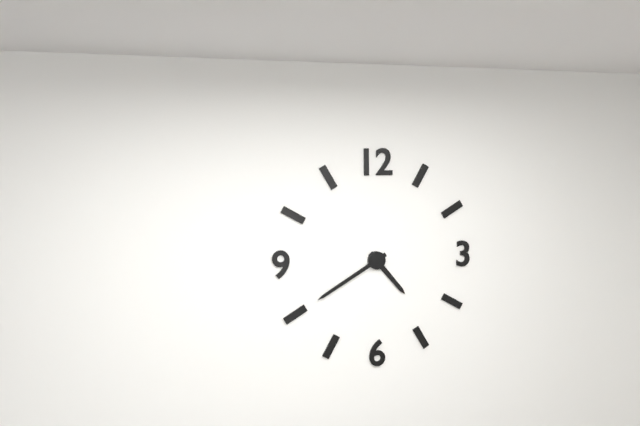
4h40
